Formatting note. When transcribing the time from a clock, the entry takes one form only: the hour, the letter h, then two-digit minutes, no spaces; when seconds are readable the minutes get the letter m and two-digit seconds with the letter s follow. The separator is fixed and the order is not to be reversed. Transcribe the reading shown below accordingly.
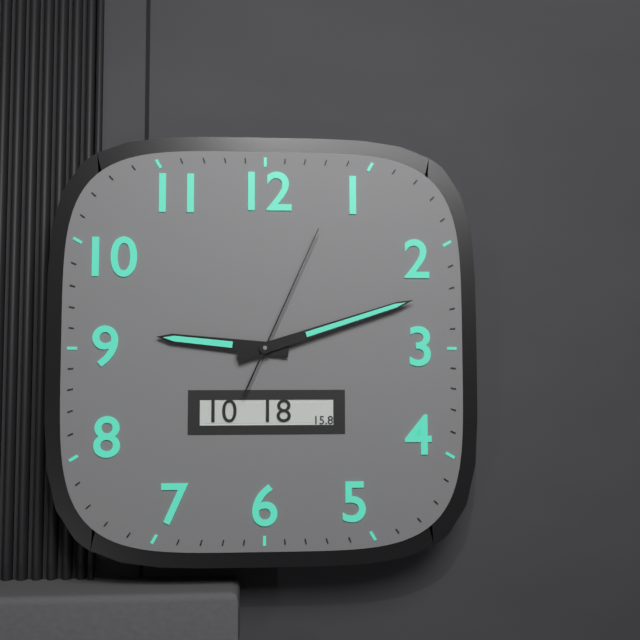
9h12m04s
